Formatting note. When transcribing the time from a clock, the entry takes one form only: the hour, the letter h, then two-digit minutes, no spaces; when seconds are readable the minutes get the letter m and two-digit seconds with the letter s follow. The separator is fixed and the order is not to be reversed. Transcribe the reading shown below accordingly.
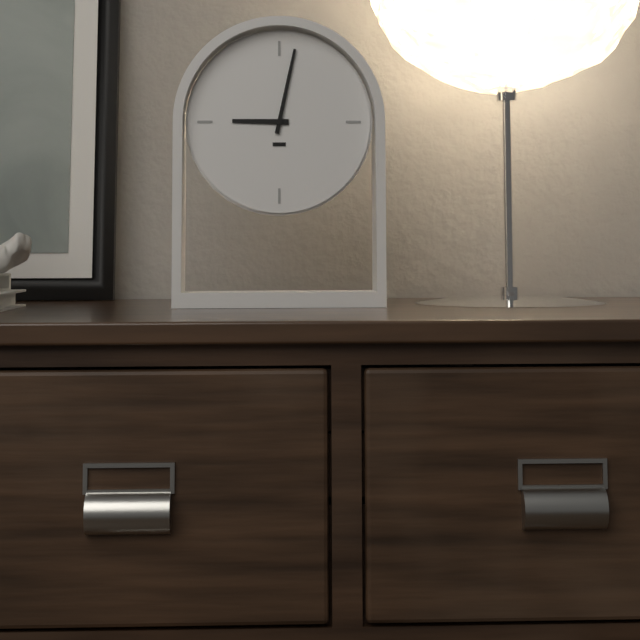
9h02
